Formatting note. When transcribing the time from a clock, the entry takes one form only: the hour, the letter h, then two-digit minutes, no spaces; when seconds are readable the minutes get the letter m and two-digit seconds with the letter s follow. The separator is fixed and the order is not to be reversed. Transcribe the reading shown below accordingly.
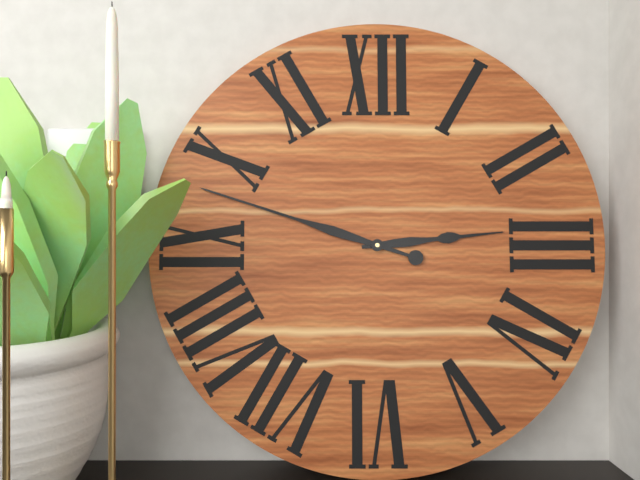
2h48
